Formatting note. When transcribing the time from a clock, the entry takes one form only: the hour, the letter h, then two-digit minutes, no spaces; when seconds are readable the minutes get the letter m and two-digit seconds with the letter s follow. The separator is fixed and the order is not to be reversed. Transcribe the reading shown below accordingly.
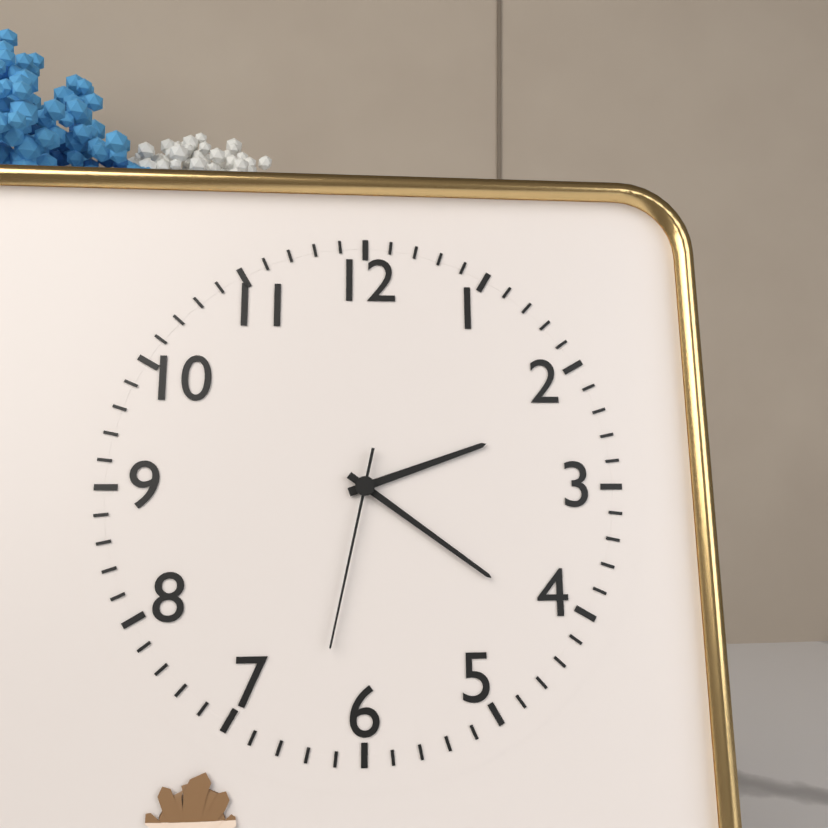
2h21m32s
